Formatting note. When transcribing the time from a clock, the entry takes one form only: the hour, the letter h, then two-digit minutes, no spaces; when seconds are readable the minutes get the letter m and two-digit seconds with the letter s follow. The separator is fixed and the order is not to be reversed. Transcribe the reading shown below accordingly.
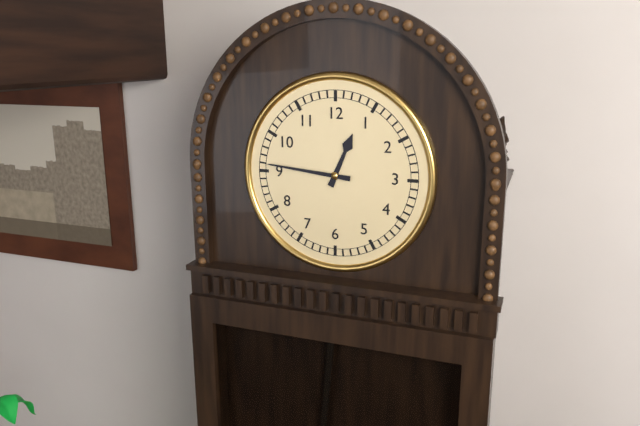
12h46
